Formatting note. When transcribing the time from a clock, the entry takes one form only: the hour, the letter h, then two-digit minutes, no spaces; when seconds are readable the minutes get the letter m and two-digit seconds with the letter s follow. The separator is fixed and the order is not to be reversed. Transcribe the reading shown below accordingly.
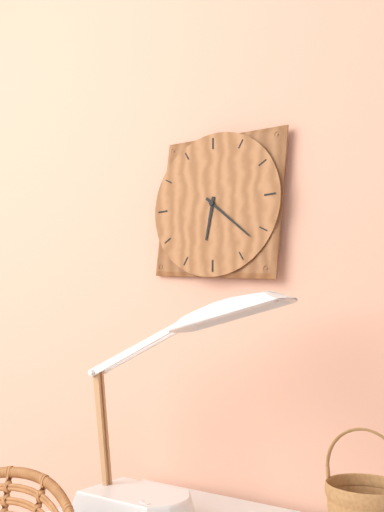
6h22
